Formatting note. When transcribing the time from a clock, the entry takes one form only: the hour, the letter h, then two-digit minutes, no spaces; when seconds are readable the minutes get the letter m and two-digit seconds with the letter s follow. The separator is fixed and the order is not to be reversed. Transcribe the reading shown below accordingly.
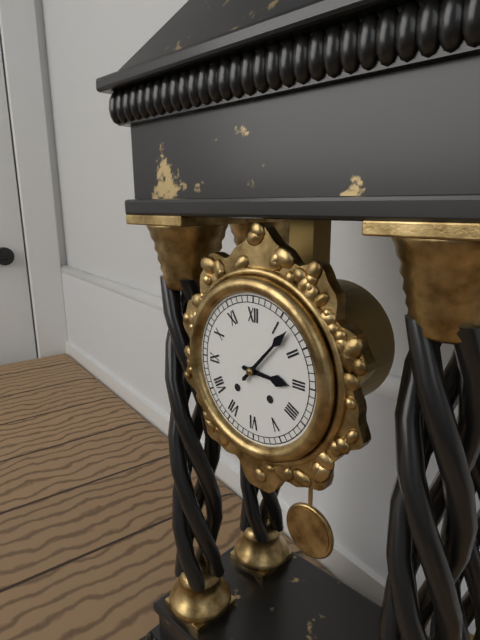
3h07
